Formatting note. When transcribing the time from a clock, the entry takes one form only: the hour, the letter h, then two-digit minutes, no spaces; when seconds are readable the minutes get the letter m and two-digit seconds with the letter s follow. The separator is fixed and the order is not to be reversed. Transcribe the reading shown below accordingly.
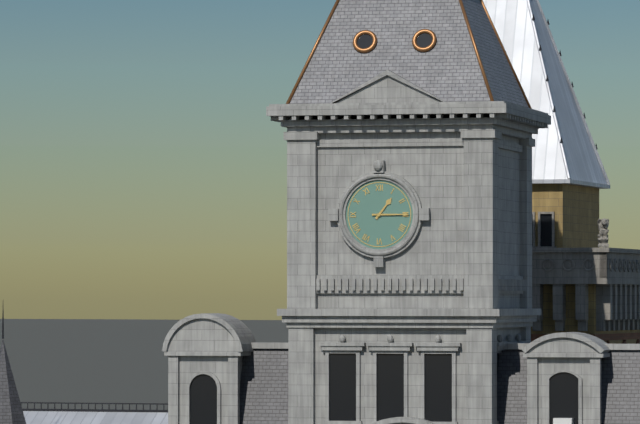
1h15
